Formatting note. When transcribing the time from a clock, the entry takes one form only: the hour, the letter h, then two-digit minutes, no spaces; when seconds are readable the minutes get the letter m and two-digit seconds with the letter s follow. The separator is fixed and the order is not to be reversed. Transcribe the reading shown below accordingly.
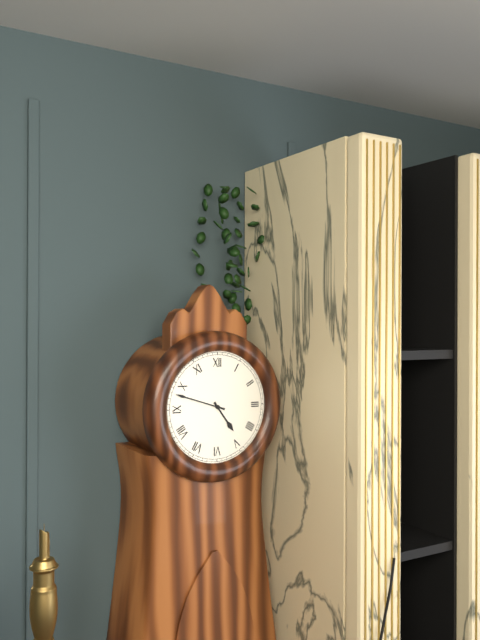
4h48
